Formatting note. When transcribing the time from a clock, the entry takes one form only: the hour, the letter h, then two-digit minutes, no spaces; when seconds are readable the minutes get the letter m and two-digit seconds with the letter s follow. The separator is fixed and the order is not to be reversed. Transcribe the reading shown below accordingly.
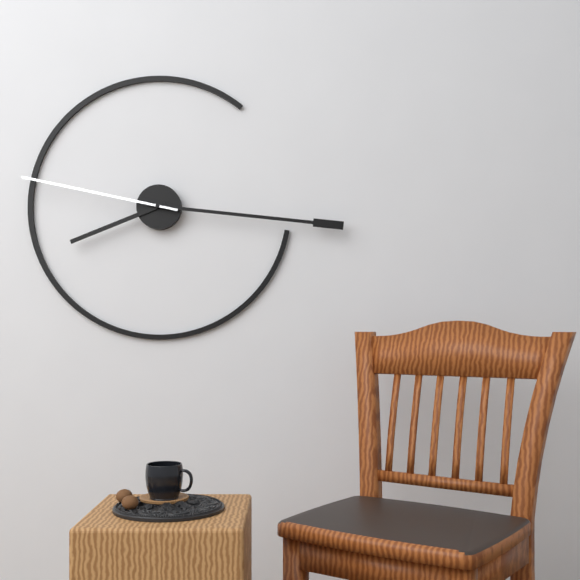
8h16m47s
